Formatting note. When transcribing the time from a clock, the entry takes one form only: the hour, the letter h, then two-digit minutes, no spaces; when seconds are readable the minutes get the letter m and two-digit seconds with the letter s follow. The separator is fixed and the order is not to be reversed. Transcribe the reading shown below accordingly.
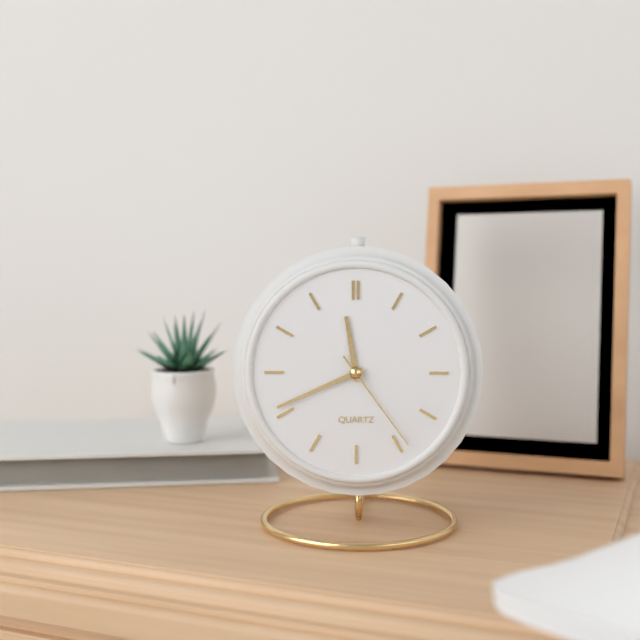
11h41m24s
